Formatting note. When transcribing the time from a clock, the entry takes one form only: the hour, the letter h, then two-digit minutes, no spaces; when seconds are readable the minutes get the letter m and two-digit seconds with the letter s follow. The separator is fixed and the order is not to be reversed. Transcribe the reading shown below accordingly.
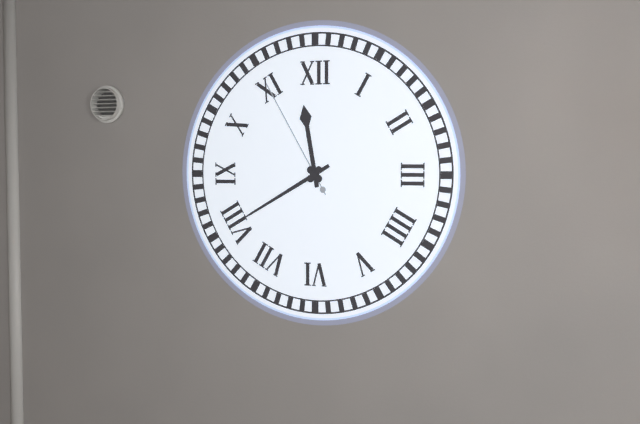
11h40m55s
